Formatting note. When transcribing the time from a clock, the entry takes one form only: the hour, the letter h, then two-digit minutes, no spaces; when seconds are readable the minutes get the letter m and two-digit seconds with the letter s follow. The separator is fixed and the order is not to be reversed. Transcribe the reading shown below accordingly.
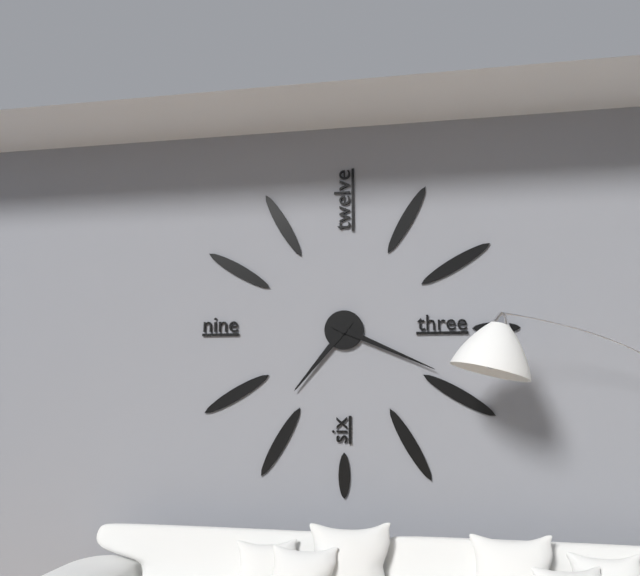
7h19
